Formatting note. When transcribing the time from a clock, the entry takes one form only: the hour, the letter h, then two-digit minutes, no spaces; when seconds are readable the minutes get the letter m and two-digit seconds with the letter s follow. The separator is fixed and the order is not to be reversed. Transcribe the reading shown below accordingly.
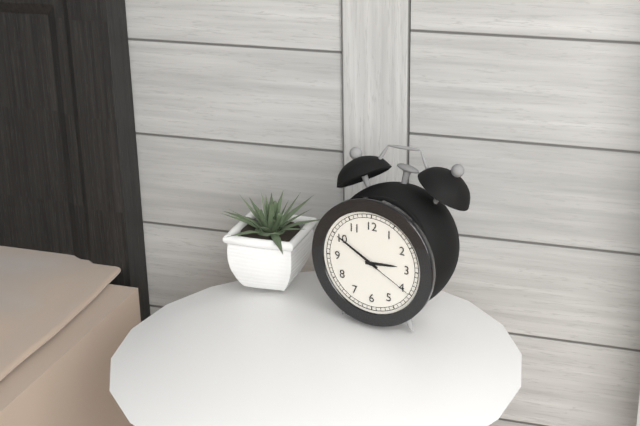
2h50m20s
